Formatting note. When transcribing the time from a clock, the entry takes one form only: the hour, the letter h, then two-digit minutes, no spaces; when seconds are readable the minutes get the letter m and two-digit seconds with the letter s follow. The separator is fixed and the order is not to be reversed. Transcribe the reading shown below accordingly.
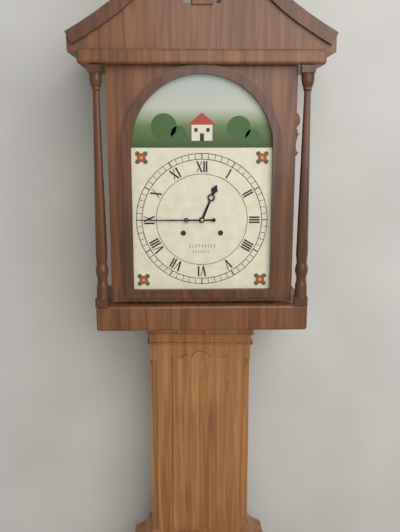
12h45
